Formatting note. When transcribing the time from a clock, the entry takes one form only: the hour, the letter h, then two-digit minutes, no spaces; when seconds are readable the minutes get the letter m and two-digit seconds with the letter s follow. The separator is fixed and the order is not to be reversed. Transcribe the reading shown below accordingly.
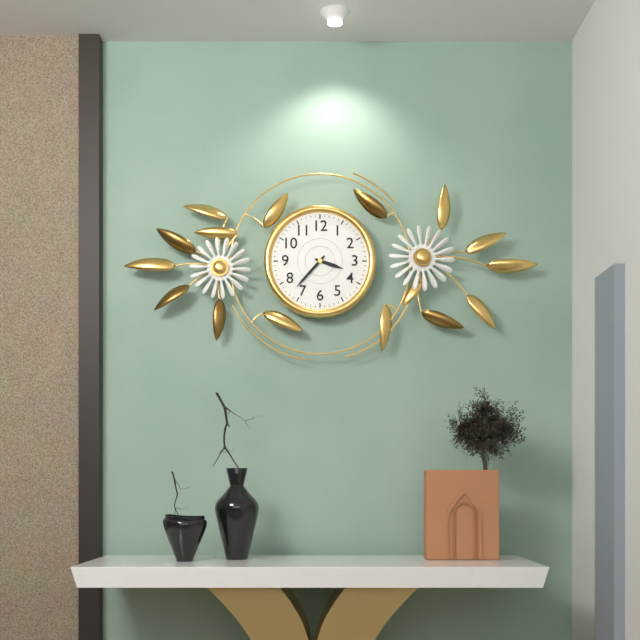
3h37
